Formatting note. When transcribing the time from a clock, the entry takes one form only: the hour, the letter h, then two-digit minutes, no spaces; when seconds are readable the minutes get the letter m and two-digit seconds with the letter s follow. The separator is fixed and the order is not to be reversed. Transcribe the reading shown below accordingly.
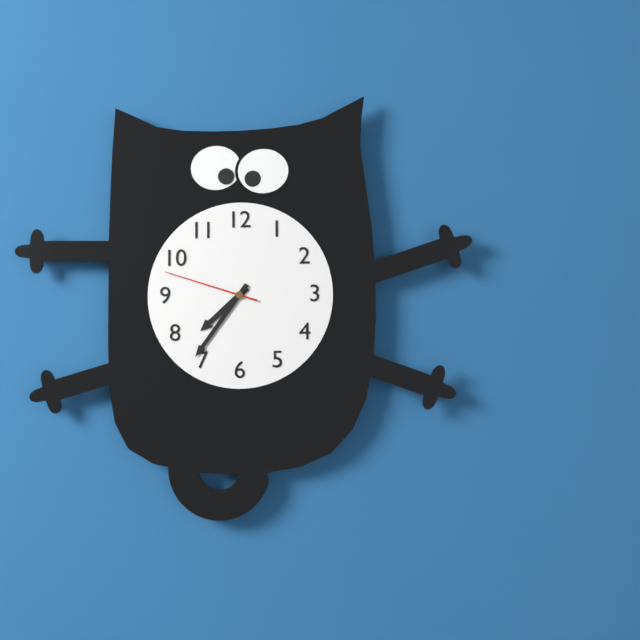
7h36m48s
